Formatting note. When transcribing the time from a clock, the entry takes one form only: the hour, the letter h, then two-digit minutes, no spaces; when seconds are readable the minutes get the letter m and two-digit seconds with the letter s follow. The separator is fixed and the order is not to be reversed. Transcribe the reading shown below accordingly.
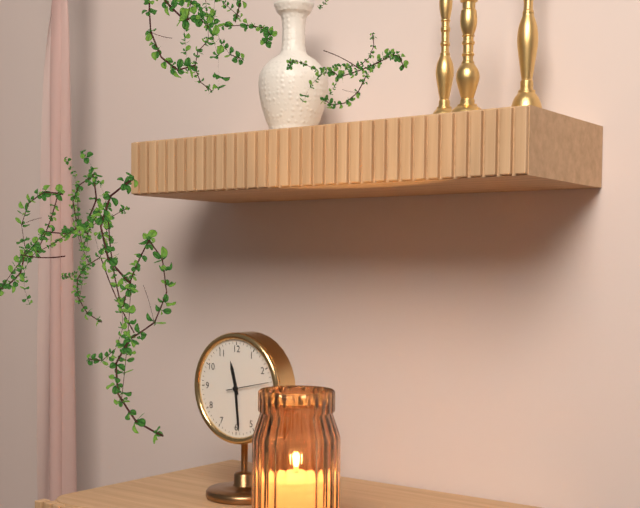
11h29
